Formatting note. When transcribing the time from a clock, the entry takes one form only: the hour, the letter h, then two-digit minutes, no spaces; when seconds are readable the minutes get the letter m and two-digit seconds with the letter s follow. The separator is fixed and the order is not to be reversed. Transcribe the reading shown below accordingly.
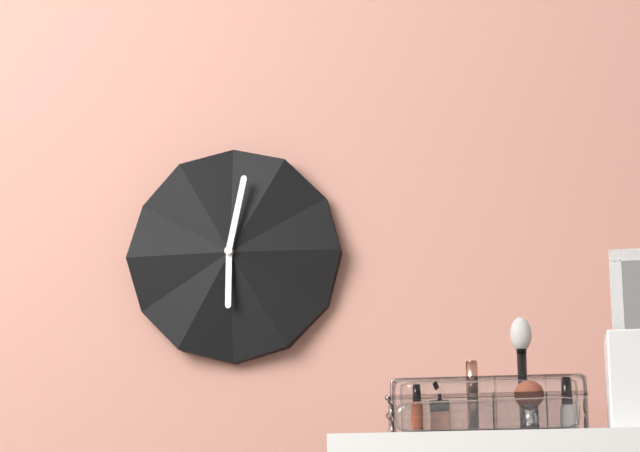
6h02
